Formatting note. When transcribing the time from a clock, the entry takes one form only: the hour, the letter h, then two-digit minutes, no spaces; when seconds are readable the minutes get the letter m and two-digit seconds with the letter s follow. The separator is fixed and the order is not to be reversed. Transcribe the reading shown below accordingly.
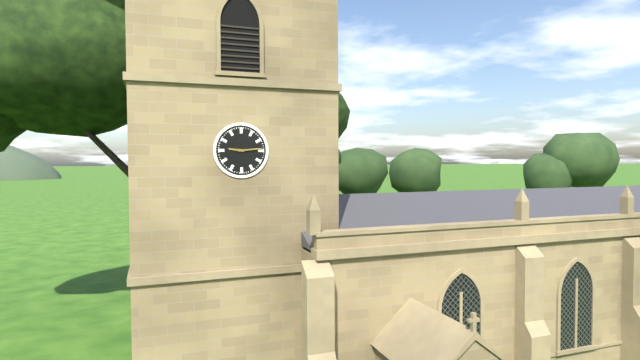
9h14
